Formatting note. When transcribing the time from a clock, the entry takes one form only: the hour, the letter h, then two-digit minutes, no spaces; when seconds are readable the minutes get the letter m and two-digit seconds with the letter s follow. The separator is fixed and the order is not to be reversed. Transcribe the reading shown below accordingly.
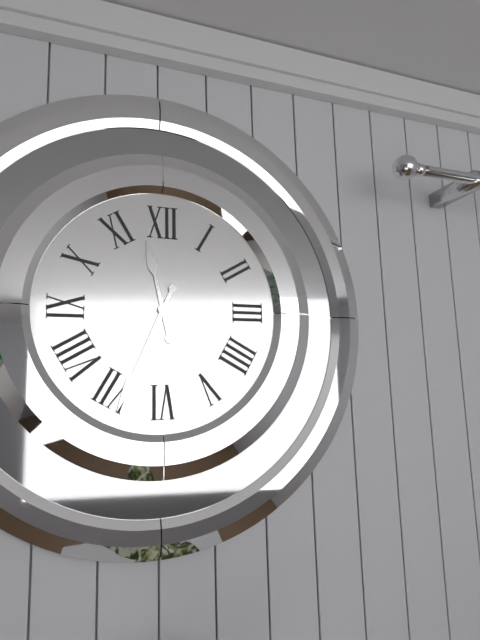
11h34
